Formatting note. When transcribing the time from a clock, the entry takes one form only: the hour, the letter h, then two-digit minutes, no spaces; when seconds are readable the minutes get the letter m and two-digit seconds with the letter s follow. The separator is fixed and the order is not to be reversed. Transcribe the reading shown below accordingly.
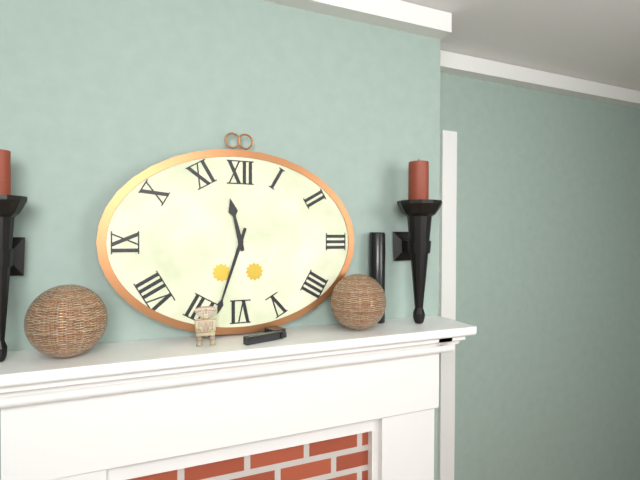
11h33
